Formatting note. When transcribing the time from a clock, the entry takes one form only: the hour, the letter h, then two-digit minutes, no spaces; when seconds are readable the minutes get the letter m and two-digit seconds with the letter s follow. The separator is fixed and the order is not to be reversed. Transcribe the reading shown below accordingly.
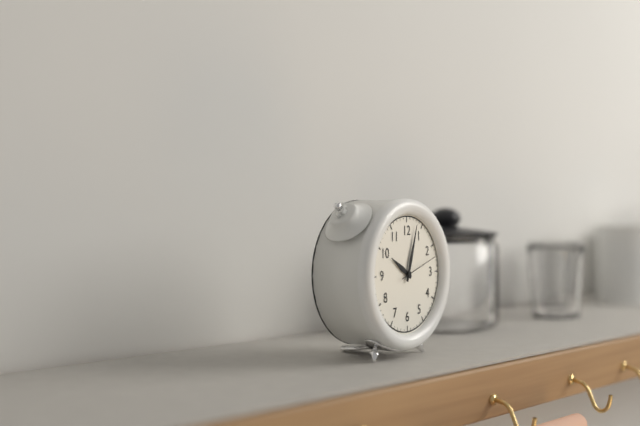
10h03
